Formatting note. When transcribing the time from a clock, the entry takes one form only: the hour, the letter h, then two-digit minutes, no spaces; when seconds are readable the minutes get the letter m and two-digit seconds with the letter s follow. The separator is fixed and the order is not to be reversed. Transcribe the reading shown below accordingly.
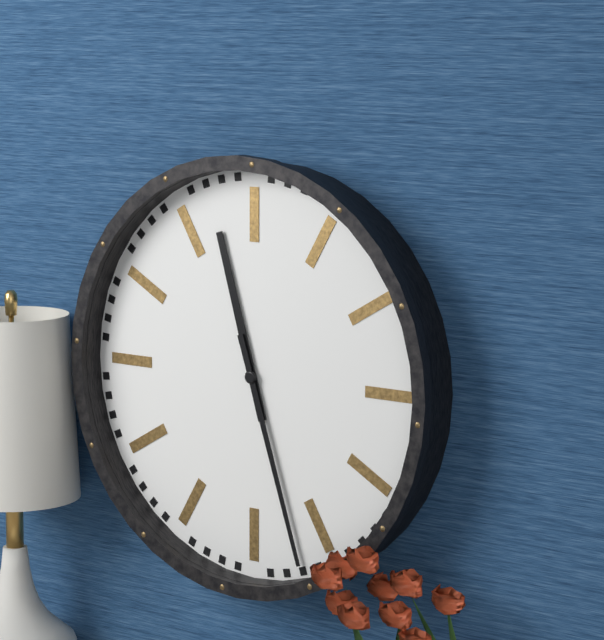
11h27
